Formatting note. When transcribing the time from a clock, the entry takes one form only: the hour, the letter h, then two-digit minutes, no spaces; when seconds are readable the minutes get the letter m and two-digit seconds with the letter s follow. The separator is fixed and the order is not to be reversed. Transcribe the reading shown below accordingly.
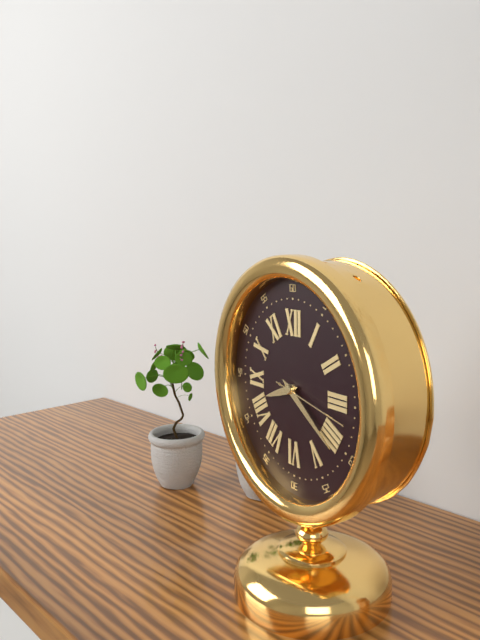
8h21m17s
